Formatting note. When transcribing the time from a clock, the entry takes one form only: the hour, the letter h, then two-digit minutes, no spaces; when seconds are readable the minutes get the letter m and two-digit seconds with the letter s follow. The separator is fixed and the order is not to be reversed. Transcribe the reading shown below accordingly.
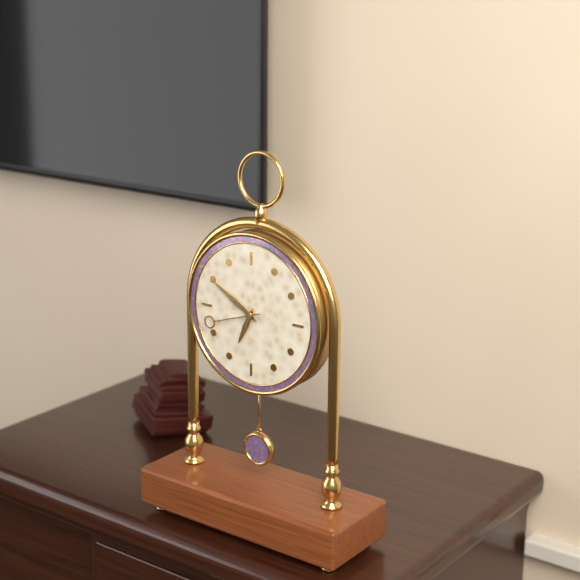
6h50m42s
